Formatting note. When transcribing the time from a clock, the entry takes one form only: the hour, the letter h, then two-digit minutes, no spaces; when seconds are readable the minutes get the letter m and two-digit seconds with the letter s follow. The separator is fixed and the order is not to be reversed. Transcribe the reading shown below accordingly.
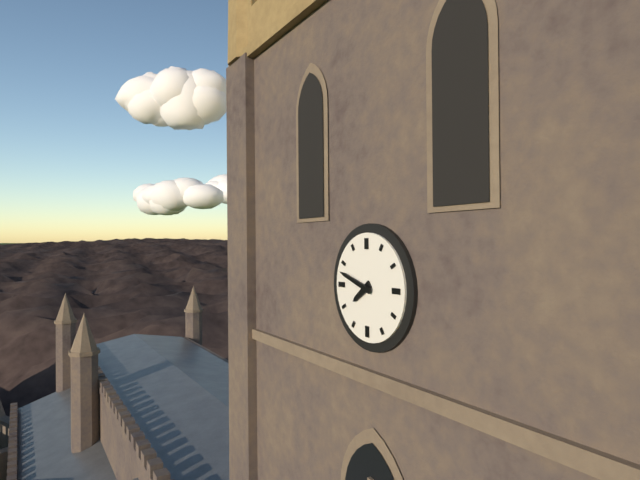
7h48
